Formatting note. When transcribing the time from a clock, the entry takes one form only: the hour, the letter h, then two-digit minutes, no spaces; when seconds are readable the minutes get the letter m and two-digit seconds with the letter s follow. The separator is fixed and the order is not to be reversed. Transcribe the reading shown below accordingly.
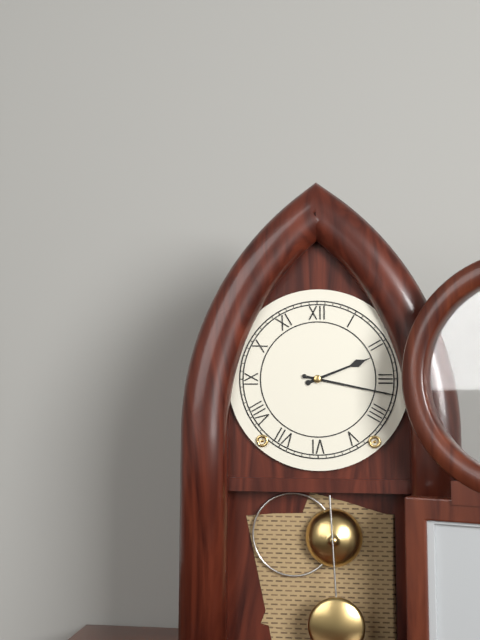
2h17
